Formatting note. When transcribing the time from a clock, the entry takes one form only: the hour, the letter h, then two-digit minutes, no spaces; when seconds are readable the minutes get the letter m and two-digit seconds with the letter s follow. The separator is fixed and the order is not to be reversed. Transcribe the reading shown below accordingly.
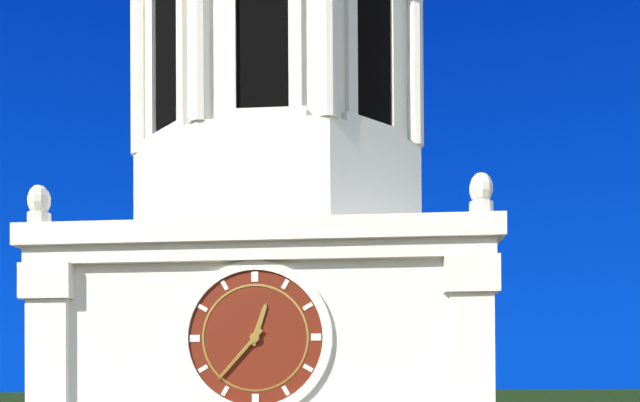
12h37
